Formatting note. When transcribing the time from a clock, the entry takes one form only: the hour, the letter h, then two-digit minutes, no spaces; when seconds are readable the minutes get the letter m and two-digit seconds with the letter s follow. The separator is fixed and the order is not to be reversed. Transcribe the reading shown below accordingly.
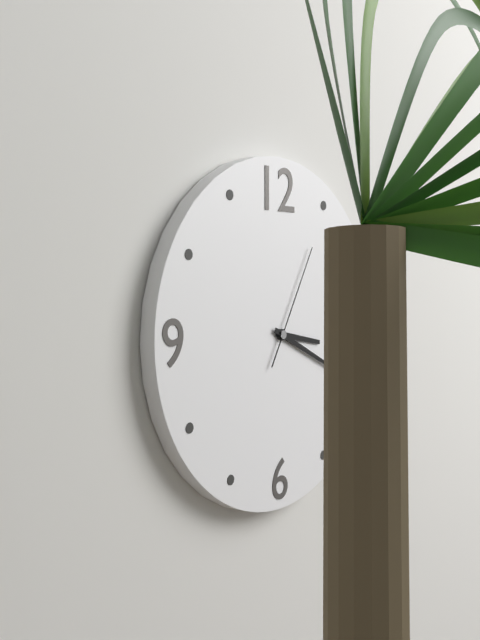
3h19m05s
